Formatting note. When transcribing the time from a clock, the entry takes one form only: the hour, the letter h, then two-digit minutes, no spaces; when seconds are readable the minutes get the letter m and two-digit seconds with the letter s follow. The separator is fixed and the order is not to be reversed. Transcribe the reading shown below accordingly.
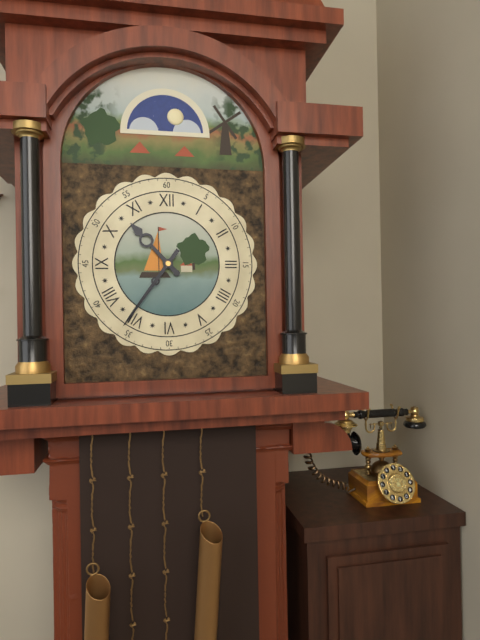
10h36
